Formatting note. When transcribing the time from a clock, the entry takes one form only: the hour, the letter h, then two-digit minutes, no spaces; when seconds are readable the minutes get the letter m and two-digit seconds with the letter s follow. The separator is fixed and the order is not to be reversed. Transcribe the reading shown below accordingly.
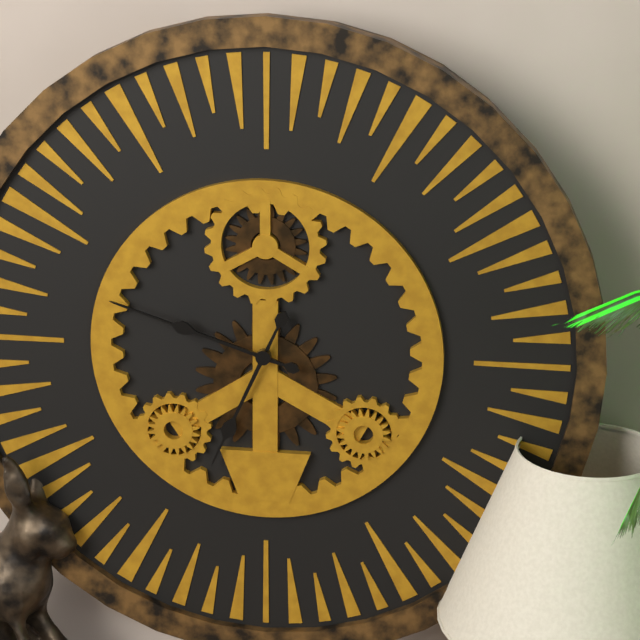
6h48
